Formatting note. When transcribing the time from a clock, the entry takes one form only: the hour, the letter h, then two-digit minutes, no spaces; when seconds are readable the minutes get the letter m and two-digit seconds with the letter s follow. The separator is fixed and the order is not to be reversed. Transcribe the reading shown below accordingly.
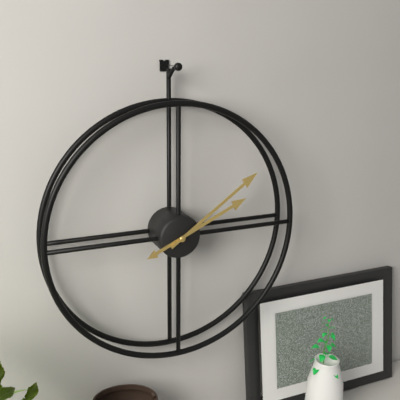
2h09
